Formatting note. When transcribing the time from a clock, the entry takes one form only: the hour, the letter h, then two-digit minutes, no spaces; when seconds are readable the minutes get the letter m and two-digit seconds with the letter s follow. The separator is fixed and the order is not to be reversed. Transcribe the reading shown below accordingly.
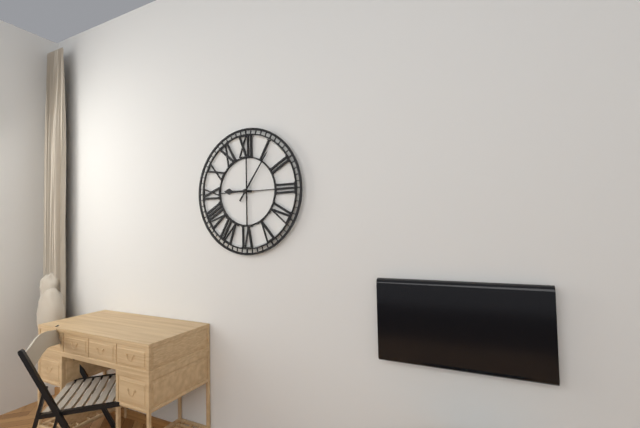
9h06
